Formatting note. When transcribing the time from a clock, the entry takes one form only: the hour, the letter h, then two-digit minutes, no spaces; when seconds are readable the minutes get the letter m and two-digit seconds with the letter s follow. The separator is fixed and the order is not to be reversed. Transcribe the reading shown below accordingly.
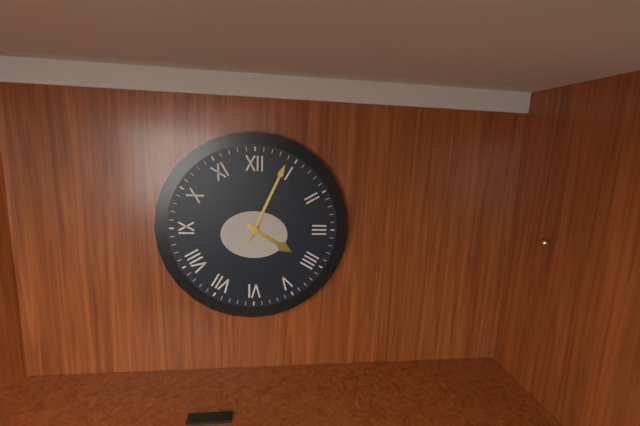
4h04
